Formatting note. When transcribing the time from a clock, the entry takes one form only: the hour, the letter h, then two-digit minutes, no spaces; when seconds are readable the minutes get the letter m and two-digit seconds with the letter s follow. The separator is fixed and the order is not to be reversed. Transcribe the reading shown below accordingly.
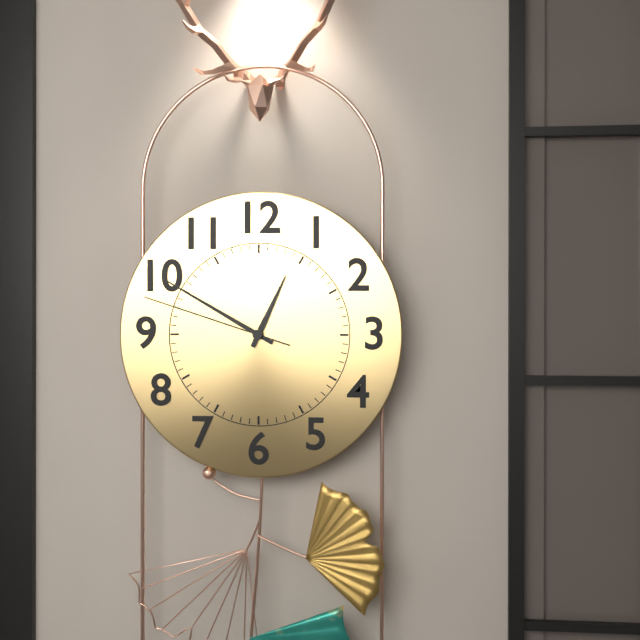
12h50m48s
